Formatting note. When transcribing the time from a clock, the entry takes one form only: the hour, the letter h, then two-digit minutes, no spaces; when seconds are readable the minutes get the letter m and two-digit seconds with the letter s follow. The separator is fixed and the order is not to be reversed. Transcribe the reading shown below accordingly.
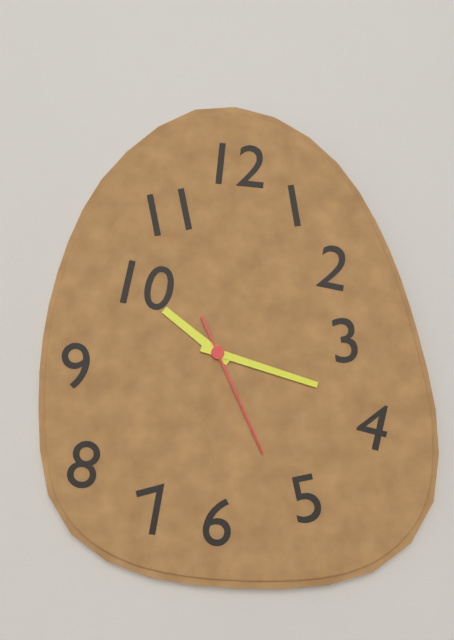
10h18m26s
